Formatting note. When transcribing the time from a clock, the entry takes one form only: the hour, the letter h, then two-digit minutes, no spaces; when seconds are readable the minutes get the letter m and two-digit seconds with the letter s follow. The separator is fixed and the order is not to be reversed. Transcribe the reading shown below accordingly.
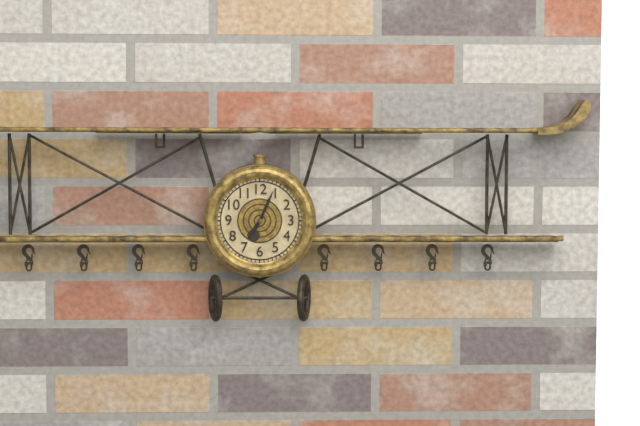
7h04
